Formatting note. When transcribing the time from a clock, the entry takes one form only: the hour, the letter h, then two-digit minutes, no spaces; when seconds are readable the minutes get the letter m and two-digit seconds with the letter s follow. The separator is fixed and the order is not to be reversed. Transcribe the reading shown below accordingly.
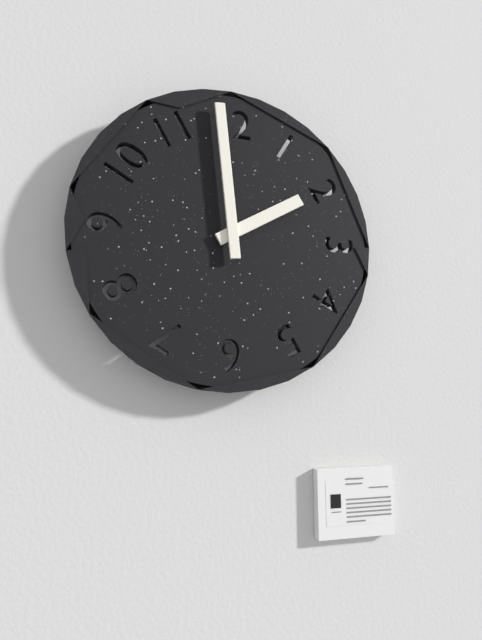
1h59
